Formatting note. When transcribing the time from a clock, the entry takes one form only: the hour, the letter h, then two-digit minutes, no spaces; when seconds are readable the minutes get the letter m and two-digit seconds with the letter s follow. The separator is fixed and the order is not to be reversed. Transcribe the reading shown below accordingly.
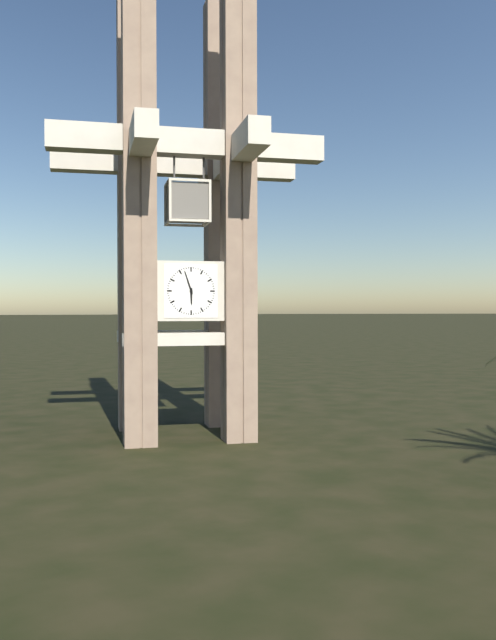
5h57
